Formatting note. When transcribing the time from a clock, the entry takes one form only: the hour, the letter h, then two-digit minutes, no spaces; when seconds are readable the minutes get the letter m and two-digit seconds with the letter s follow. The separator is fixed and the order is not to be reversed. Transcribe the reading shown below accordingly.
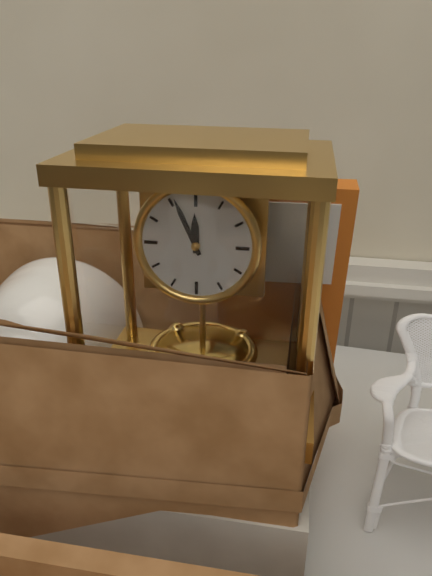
11h56
